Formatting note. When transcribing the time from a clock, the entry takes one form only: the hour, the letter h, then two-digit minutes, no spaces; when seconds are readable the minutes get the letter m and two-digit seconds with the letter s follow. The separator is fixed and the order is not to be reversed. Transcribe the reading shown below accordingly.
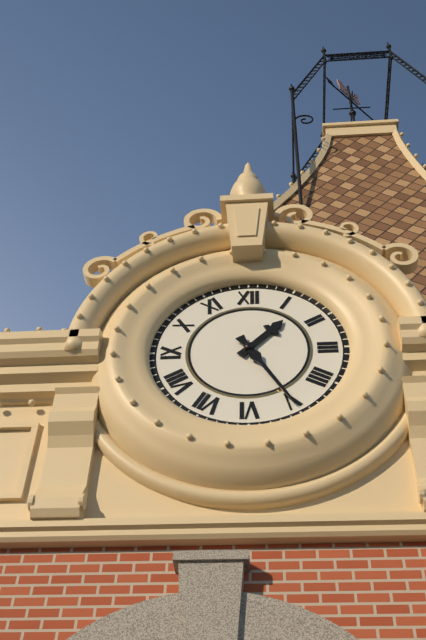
1h25
